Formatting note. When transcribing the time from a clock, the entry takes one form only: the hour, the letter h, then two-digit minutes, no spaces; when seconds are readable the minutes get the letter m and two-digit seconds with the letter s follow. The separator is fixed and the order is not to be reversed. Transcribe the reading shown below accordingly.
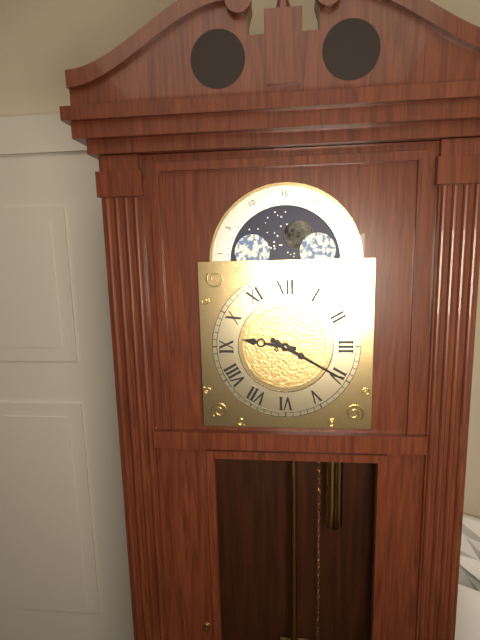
9h20
